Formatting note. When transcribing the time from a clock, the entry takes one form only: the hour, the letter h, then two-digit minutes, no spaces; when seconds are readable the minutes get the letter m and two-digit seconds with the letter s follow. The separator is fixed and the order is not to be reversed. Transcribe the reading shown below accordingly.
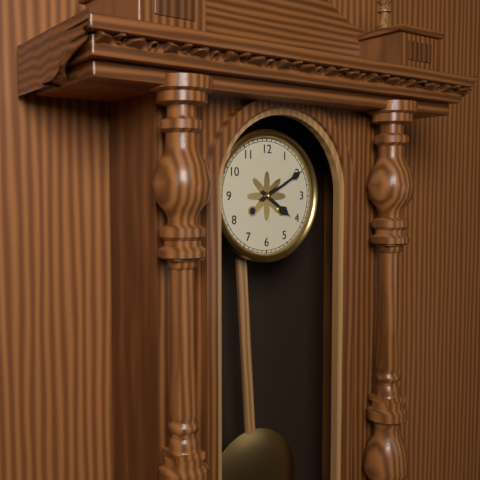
4h10
